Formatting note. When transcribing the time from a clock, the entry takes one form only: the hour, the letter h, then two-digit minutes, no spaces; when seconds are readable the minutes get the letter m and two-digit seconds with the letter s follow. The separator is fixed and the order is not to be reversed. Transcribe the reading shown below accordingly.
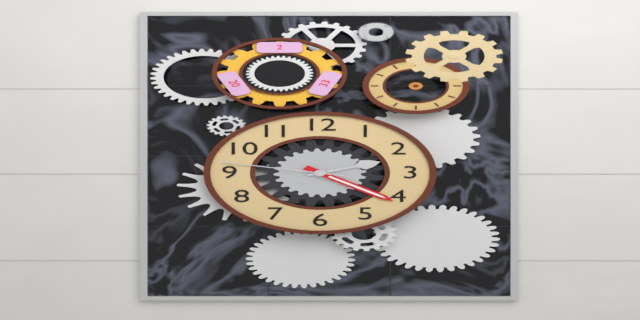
2h21m47s
